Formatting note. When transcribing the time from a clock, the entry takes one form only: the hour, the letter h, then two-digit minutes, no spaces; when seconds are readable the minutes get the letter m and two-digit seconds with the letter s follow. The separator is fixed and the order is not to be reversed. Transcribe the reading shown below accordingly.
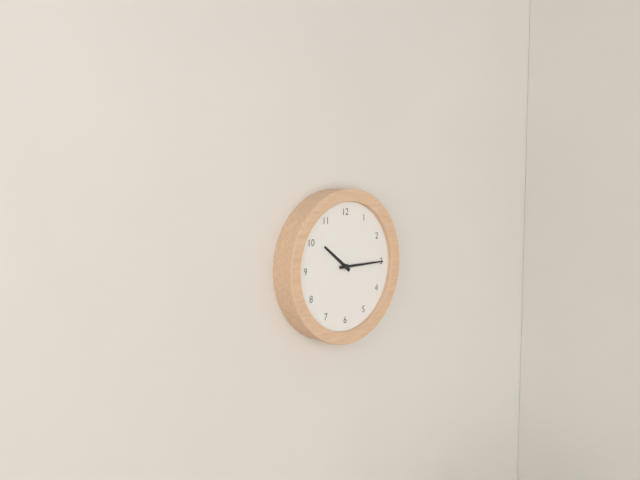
10h15
